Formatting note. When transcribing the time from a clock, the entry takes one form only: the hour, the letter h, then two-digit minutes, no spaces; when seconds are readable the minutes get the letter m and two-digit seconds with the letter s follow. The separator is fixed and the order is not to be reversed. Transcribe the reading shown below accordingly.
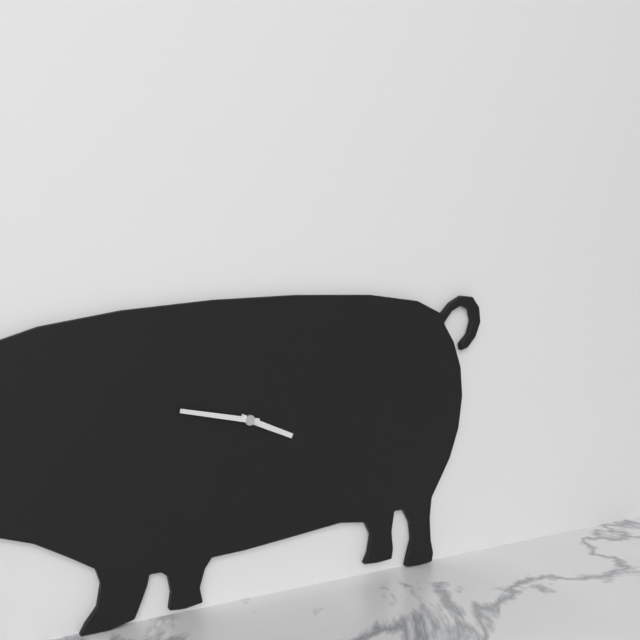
3h47
